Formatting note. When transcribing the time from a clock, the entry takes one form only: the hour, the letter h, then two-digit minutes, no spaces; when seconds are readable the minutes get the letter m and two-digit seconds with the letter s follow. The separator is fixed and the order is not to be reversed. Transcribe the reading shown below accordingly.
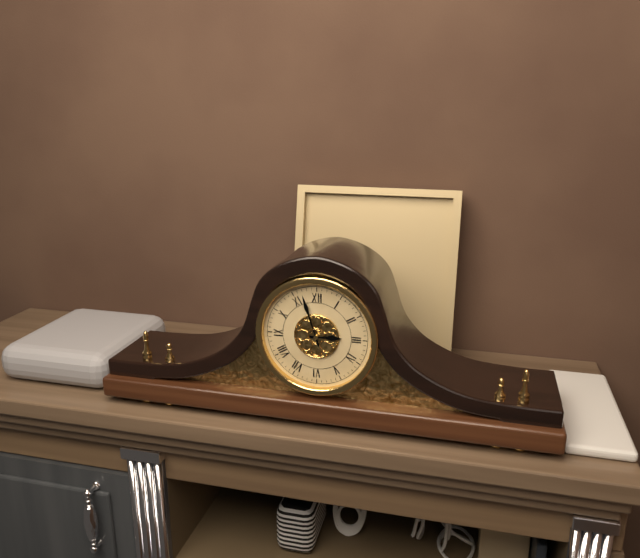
2h57
